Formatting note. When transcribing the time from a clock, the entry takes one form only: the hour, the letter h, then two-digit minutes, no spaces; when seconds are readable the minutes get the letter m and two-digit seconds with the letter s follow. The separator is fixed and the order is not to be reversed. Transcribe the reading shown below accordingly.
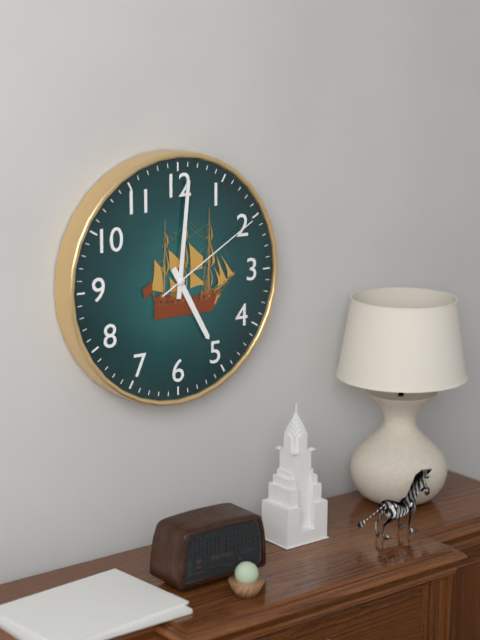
5h01m10s
